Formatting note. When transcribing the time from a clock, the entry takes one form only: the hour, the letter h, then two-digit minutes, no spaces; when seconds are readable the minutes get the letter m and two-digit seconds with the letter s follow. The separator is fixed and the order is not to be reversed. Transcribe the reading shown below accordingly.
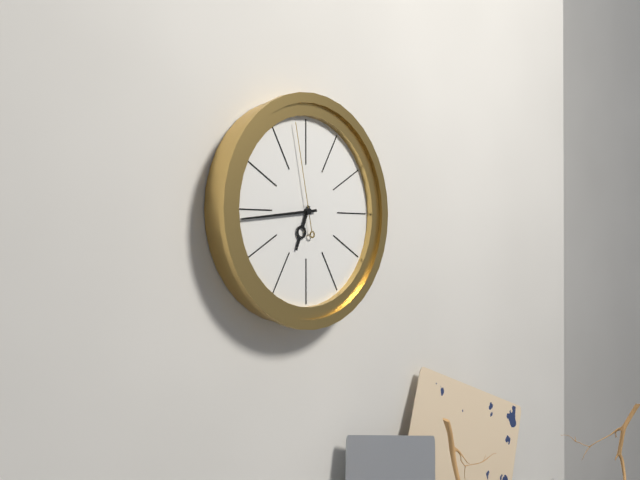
6h44m58s
